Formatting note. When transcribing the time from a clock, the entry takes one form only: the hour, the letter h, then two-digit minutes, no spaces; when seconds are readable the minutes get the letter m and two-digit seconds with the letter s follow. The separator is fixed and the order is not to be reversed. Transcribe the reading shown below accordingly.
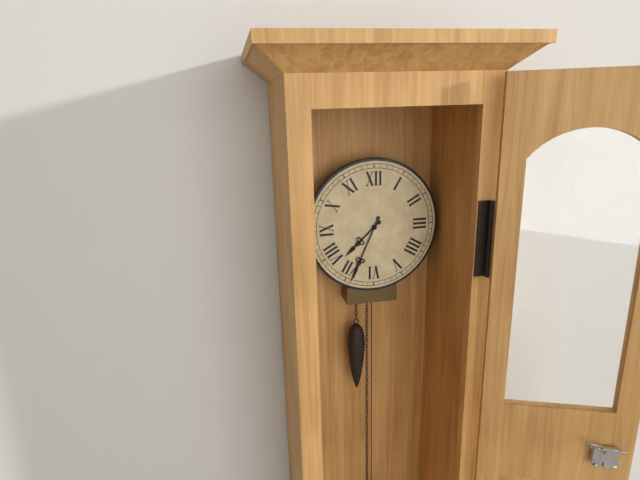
7h34
